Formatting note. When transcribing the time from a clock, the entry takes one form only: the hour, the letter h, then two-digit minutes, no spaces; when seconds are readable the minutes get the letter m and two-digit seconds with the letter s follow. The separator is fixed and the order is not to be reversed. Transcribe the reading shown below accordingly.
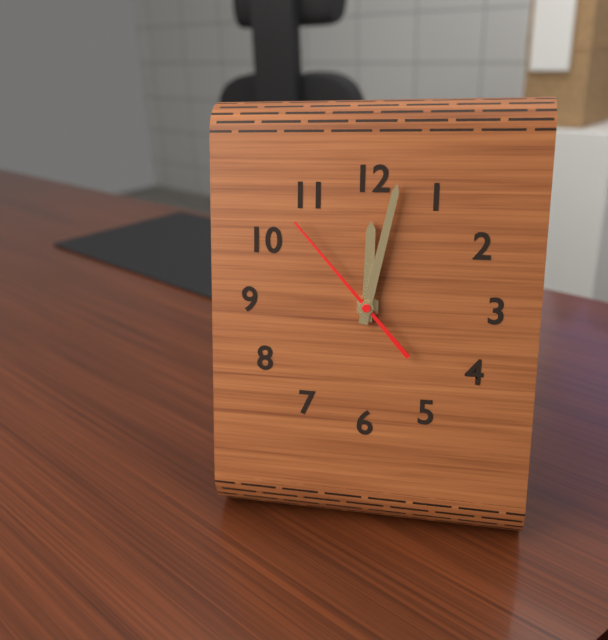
12h02m53s
